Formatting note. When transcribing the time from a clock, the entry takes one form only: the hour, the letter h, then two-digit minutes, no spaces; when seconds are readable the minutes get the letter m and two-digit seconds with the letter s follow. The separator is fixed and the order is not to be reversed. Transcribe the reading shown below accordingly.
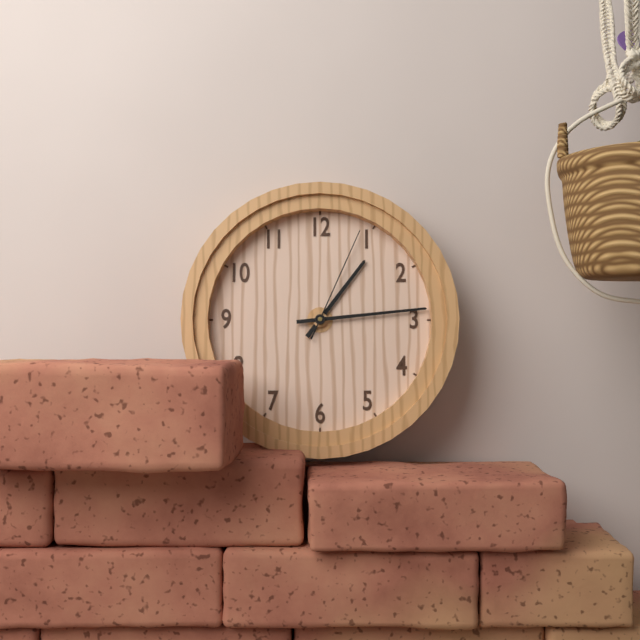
1h14m04s
